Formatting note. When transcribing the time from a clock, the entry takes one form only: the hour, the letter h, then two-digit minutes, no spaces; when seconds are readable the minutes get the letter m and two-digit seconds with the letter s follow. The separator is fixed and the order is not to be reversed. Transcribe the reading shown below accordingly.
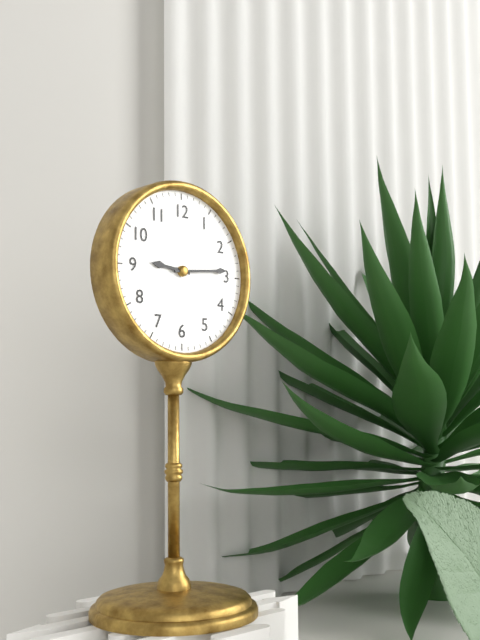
9h14
